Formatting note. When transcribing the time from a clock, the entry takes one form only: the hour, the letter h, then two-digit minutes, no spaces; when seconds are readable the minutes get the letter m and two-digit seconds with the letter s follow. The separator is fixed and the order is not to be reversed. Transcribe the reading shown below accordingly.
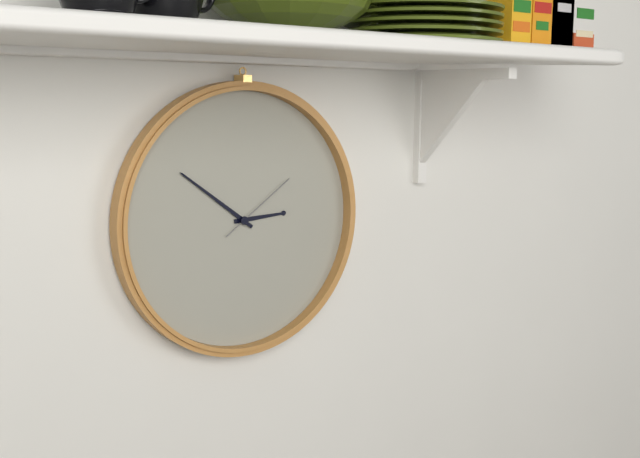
2h51m09s
